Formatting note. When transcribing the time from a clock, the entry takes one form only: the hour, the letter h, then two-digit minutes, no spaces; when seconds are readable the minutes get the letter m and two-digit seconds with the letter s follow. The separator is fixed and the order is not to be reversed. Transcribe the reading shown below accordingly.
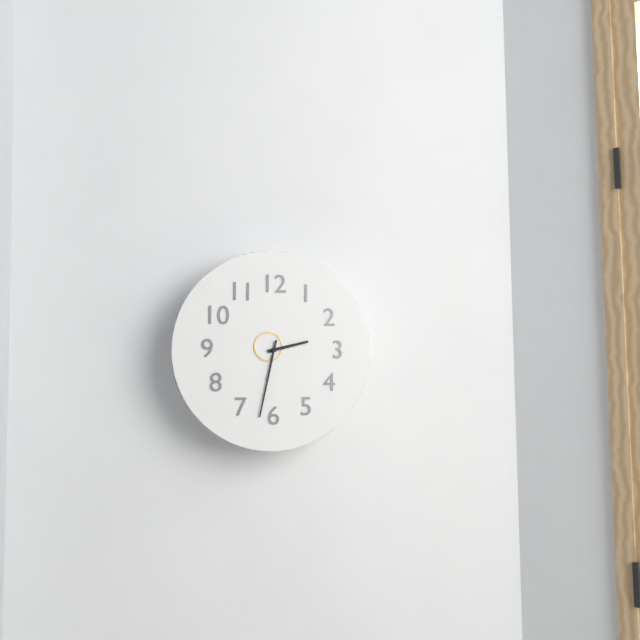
2h32
